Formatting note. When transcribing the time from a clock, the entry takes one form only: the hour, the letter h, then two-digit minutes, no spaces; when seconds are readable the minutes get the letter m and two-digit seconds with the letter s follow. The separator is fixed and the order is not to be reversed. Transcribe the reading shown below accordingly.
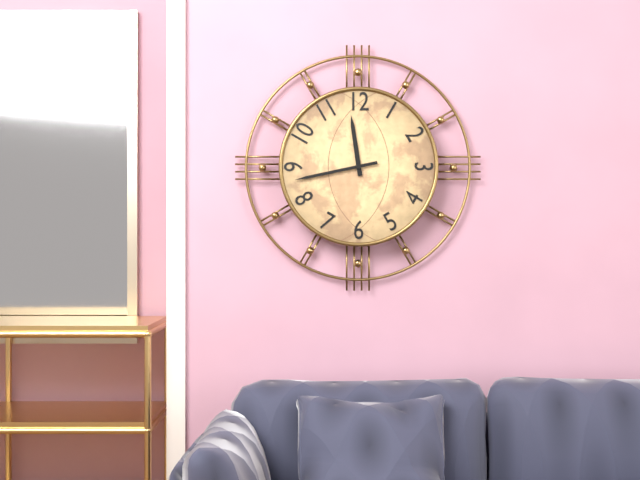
11h43
